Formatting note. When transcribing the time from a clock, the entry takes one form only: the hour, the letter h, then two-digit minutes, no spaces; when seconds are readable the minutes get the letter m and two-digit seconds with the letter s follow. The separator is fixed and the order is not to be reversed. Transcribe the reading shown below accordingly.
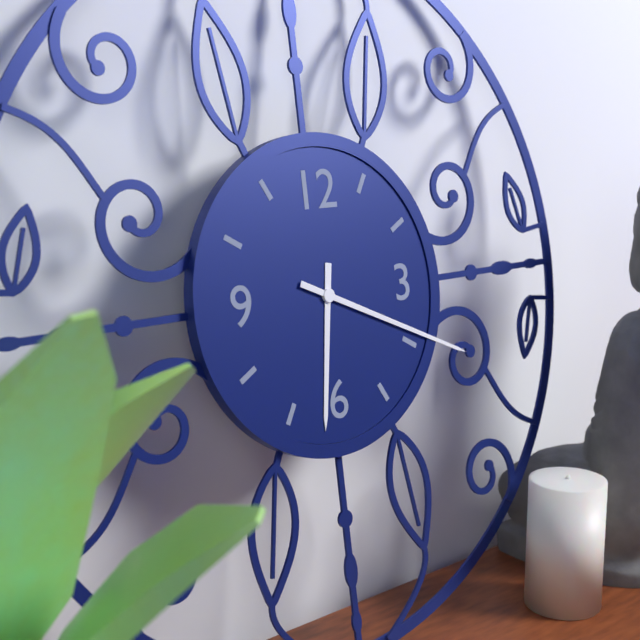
6h19
